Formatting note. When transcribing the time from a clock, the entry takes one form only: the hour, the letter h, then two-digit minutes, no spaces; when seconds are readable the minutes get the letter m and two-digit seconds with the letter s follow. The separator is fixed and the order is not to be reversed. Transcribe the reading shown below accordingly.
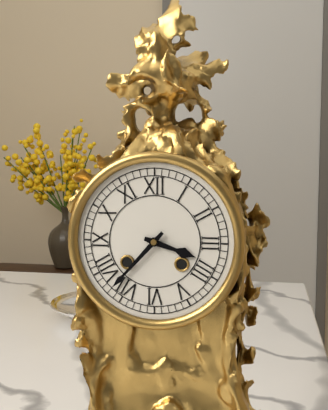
3h37
